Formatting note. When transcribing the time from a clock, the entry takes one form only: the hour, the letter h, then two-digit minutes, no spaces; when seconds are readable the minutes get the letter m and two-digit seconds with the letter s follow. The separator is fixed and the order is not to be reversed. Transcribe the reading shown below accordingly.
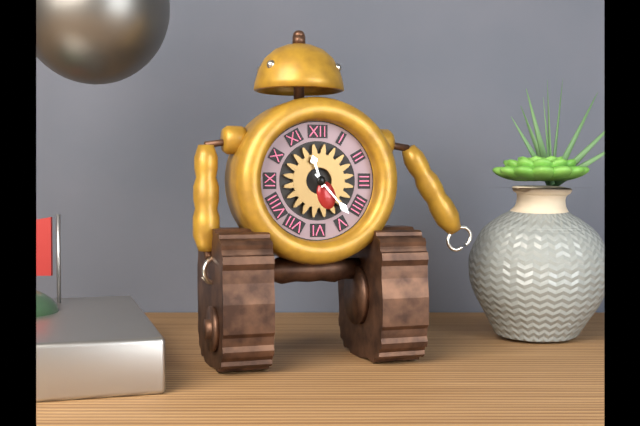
11h23
